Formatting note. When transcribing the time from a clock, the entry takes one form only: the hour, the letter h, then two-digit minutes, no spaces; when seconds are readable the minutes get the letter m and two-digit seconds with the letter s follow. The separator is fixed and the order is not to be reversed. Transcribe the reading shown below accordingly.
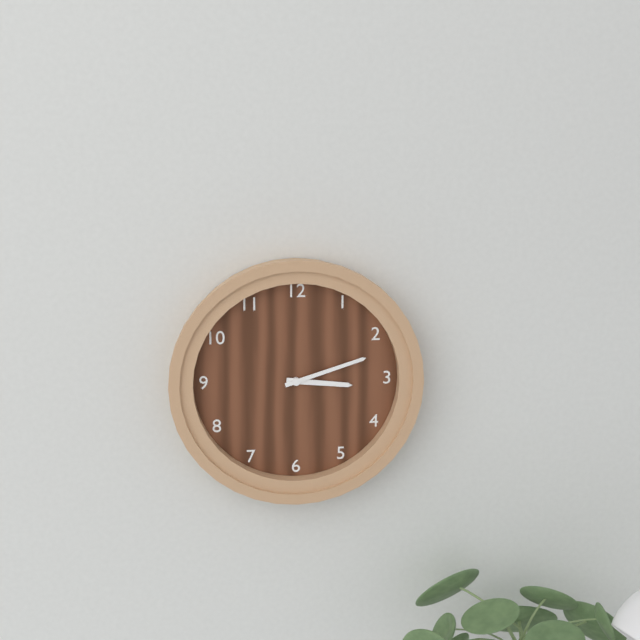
3h12
